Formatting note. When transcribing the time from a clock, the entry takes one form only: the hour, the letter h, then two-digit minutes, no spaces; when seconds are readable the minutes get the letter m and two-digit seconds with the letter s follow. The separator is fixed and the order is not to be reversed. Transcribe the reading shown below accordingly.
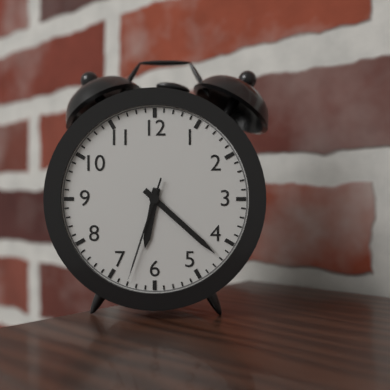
6h22m33s
